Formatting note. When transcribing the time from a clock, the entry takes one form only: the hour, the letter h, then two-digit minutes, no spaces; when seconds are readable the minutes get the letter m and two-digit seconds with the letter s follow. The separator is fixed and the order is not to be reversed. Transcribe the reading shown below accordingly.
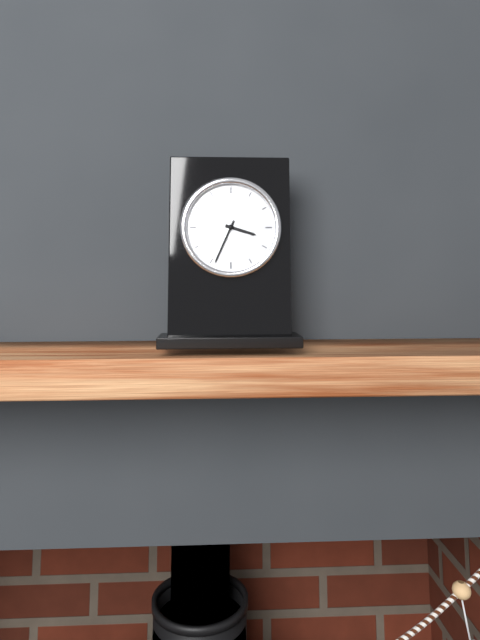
3h34
